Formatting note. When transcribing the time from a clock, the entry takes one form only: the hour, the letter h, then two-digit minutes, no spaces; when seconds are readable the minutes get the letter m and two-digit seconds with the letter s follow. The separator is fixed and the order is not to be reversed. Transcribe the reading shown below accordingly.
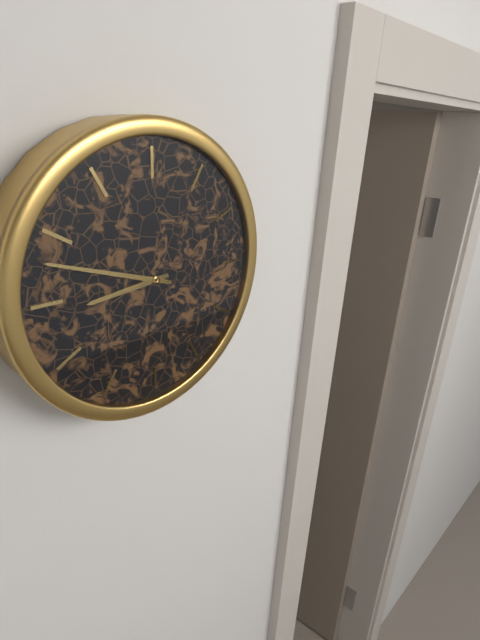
8h48
